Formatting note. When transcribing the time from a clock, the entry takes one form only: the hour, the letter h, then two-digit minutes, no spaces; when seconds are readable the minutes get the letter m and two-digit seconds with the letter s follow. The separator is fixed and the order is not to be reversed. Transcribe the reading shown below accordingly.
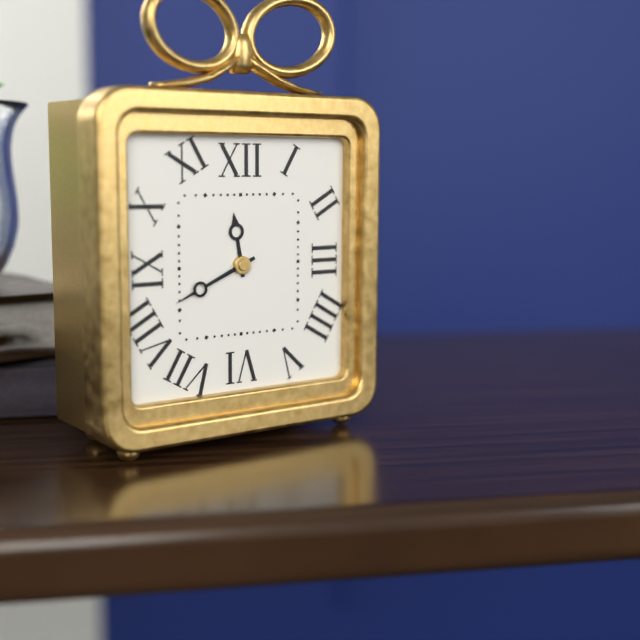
11h41
